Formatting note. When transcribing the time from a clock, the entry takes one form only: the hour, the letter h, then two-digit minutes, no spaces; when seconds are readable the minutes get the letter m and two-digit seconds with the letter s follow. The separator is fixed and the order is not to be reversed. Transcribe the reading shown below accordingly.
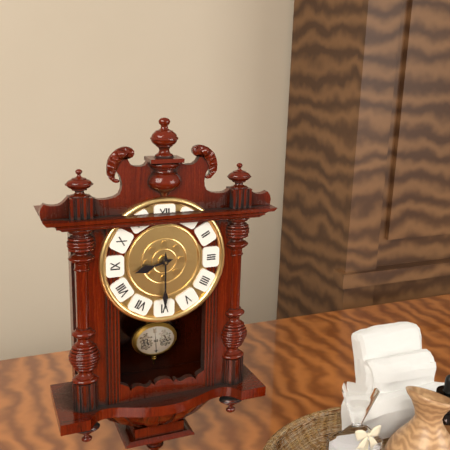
8h30
